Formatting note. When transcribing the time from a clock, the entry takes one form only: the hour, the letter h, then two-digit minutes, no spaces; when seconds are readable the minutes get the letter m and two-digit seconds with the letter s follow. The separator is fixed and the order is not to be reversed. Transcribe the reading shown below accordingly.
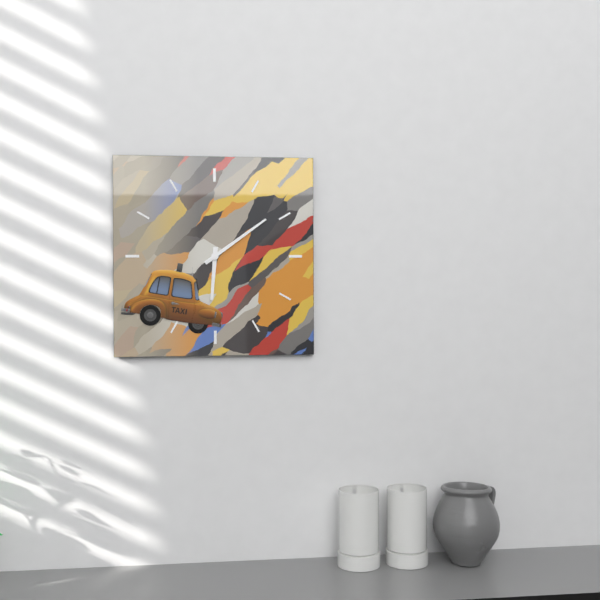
6h09
